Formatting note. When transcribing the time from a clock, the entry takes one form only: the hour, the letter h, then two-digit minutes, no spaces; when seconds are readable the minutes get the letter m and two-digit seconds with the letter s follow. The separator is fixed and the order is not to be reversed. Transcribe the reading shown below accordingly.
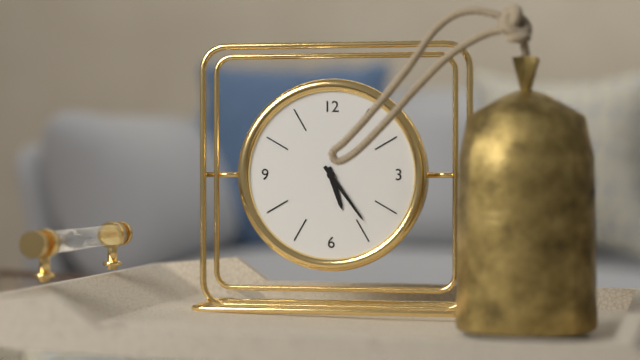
5h24
